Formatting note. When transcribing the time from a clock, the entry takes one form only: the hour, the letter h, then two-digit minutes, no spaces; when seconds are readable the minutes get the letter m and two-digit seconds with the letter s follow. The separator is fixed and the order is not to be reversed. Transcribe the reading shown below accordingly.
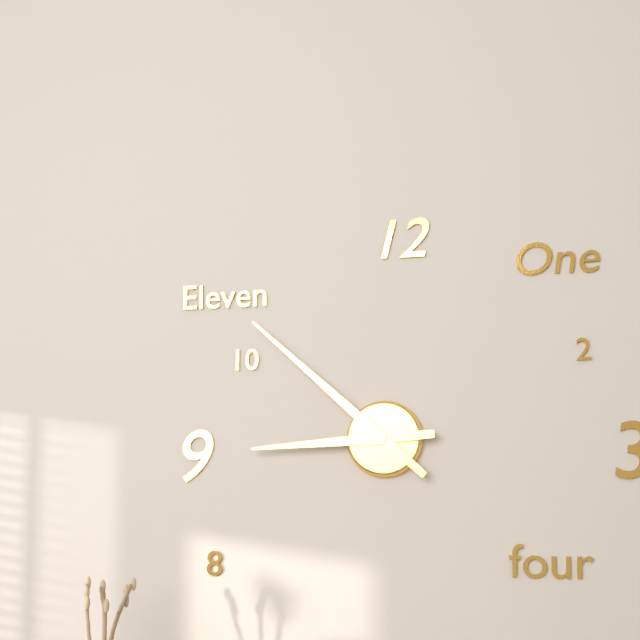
8h52
